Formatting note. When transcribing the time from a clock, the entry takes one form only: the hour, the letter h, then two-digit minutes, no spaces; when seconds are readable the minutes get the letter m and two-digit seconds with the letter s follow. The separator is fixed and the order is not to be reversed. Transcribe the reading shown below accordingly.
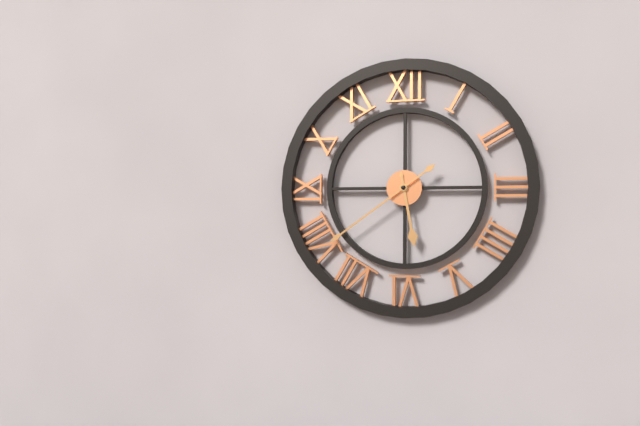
5h39
